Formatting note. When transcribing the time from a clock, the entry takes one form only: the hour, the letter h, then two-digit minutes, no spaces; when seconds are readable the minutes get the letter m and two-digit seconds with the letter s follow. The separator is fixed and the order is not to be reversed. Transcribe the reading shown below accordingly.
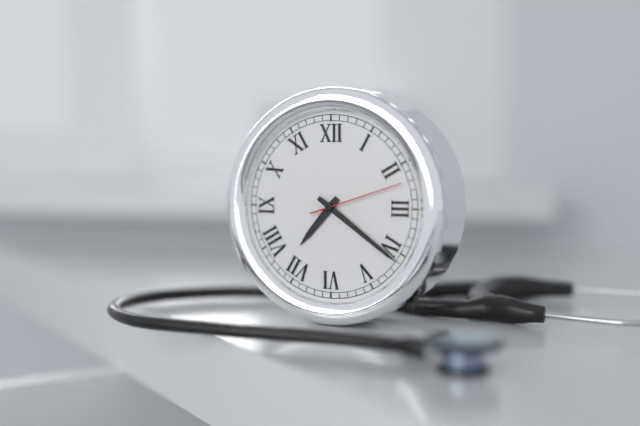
7h21m12s
